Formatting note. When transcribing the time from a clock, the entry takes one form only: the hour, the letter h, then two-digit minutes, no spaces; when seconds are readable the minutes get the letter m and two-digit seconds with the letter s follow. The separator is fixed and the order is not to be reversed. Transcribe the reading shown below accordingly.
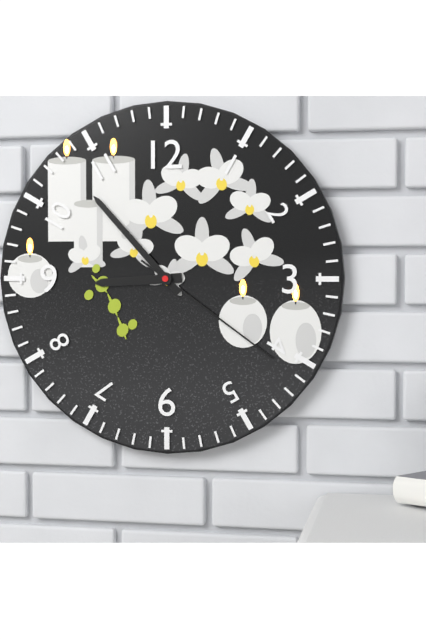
8h53m21s
